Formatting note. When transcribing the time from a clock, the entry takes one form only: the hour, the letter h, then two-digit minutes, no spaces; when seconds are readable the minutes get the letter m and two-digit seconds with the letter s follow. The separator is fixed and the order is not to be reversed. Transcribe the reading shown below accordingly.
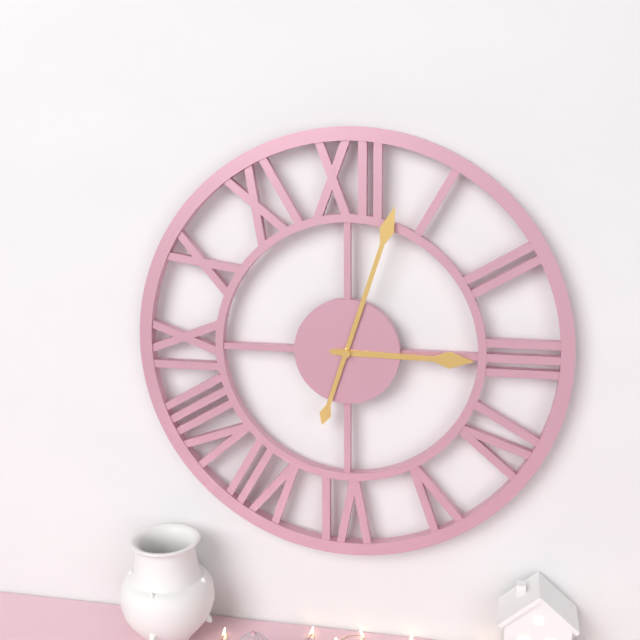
3h03
